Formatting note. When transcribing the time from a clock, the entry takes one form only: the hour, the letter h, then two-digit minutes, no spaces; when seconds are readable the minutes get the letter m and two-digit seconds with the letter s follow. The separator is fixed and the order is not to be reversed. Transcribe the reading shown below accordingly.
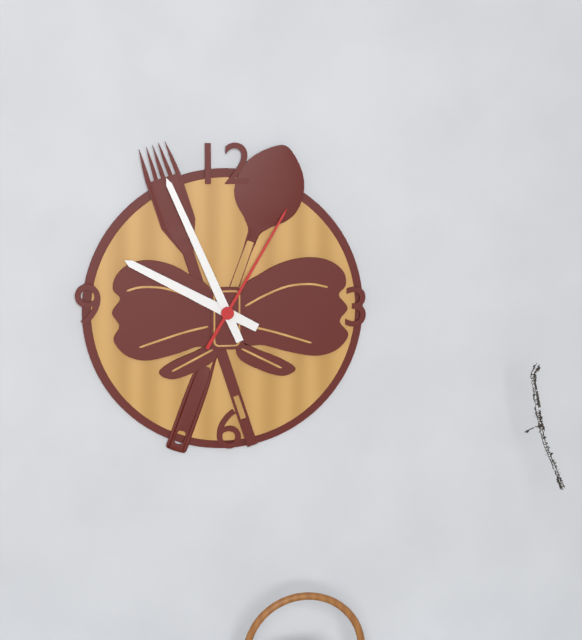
9h56m05s
